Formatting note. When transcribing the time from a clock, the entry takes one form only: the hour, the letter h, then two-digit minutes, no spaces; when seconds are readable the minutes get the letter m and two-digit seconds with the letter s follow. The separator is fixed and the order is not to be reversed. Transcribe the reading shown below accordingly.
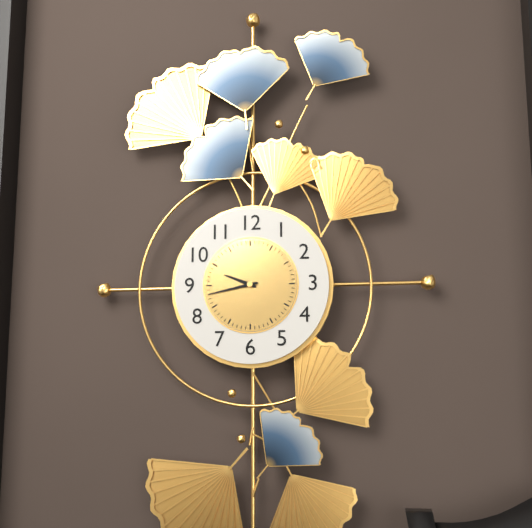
9h43
